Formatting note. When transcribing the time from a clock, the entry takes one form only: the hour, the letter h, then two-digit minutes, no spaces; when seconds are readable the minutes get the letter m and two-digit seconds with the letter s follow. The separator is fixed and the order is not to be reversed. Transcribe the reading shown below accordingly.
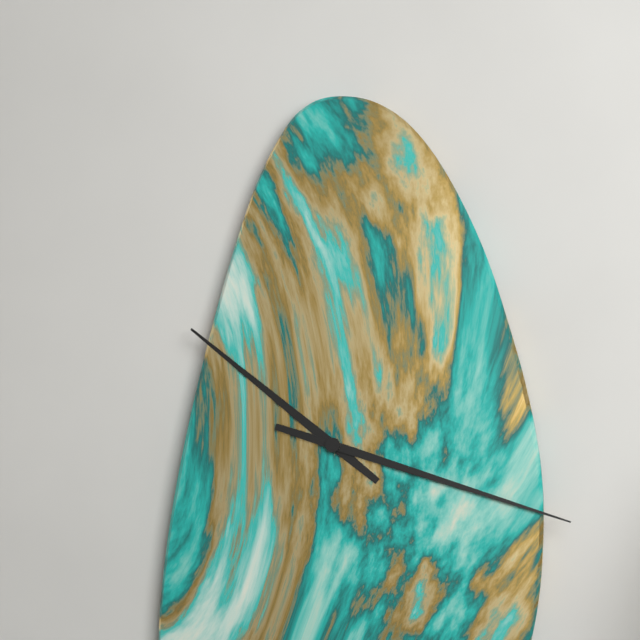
10h18
